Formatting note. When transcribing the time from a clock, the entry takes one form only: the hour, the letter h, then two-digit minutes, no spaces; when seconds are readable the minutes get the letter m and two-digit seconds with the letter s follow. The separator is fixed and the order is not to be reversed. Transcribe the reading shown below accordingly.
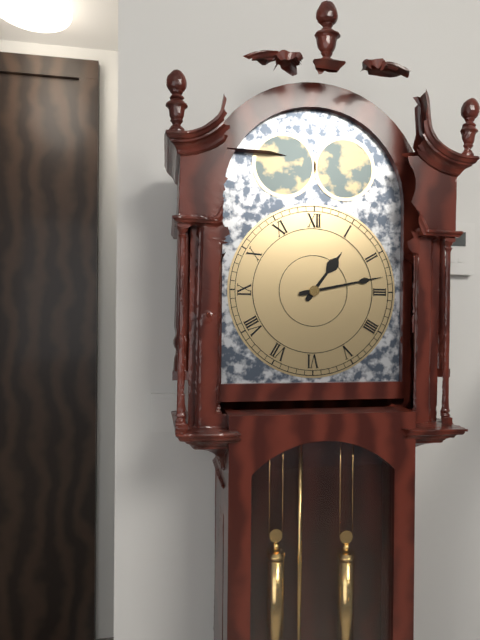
1h13
